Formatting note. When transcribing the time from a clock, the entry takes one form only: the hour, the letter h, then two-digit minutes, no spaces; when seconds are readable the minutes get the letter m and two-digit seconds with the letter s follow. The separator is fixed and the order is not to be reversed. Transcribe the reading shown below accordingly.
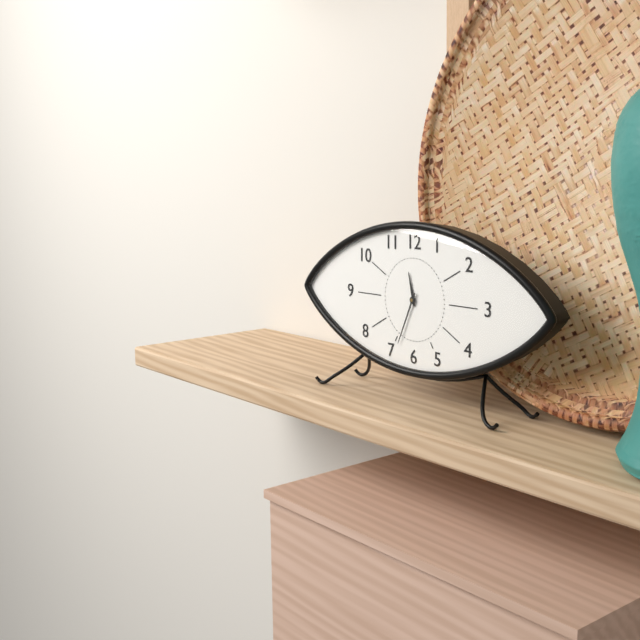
11h34
